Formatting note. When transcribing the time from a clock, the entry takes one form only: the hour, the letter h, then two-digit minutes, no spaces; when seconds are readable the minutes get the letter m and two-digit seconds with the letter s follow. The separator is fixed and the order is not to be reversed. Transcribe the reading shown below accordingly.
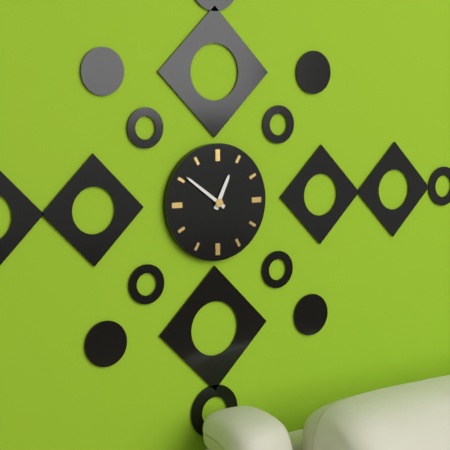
12h51
